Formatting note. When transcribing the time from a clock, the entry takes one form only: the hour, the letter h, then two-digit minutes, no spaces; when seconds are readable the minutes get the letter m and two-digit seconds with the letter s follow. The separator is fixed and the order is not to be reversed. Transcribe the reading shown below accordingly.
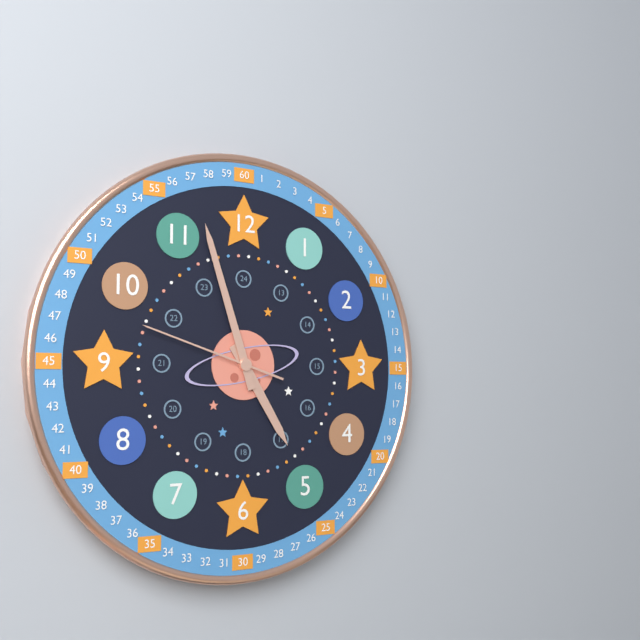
4h57m48s
